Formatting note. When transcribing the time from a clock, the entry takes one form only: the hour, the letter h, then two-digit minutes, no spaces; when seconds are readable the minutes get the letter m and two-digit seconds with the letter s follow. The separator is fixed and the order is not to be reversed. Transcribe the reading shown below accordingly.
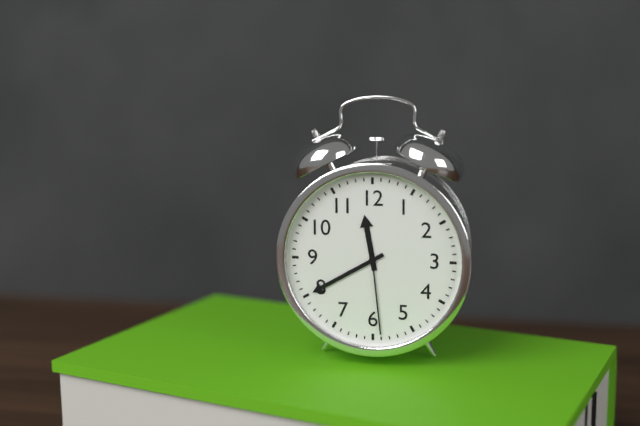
11h40m29s
